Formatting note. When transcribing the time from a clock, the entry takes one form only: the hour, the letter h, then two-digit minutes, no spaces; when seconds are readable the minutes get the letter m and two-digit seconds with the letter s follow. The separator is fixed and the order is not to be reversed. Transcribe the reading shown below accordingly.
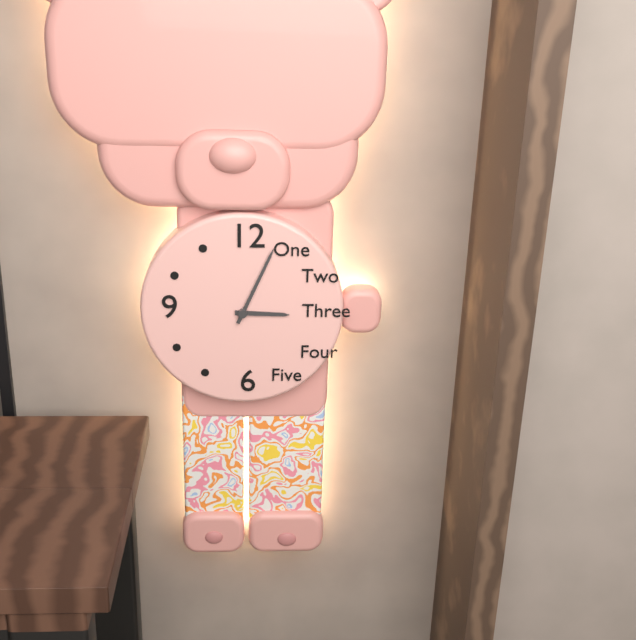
3h04
